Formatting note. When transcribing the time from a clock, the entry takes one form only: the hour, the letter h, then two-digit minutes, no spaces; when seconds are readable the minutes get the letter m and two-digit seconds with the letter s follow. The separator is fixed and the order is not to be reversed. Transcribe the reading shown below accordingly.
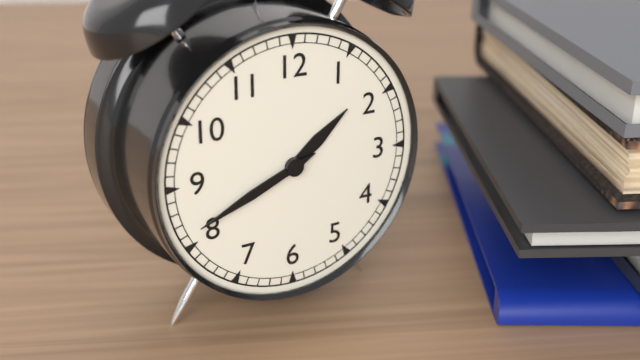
1h41
